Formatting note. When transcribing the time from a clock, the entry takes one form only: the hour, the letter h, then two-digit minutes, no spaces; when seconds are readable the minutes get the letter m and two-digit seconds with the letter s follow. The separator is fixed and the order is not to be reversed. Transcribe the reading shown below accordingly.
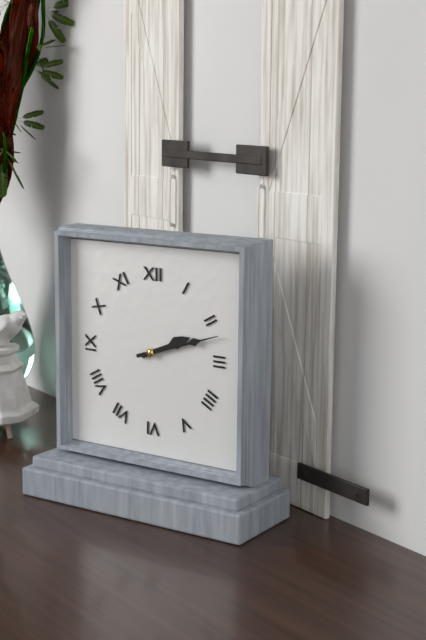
2h12
